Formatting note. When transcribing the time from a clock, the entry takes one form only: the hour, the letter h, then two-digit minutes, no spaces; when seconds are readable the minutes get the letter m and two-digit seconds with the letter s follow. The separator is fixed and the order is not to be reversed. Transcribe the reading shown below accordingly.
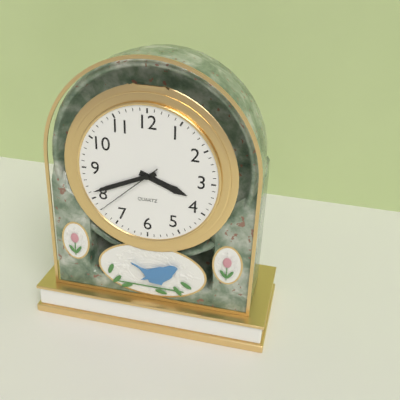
3h41m38s
